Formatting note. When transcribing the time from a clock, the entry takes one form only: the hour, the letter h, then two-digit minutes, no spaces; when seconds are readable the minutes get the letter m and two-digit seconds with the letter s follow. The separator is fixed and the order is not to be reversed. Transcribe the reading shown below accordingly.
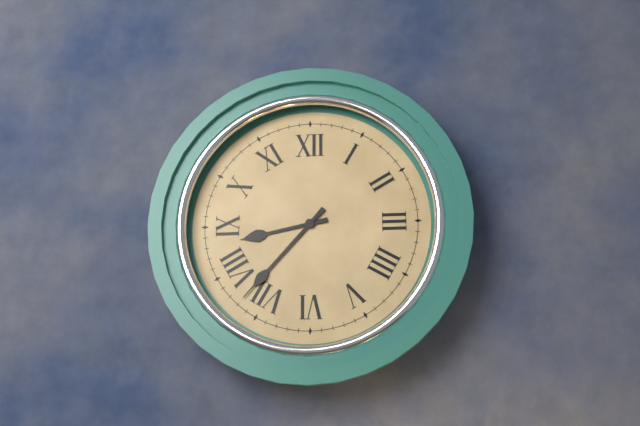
8h37
